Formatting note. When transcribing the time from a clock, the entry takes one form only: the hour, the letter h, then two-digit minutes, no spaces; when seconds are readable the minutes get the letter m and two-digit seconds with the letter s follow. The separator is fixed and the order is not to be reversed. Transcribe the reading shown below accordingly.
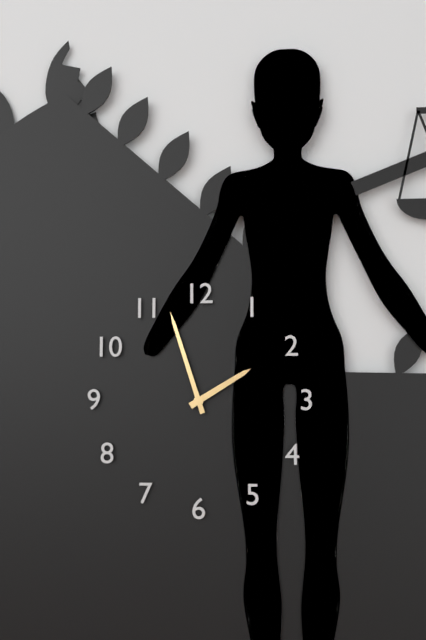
1h57
